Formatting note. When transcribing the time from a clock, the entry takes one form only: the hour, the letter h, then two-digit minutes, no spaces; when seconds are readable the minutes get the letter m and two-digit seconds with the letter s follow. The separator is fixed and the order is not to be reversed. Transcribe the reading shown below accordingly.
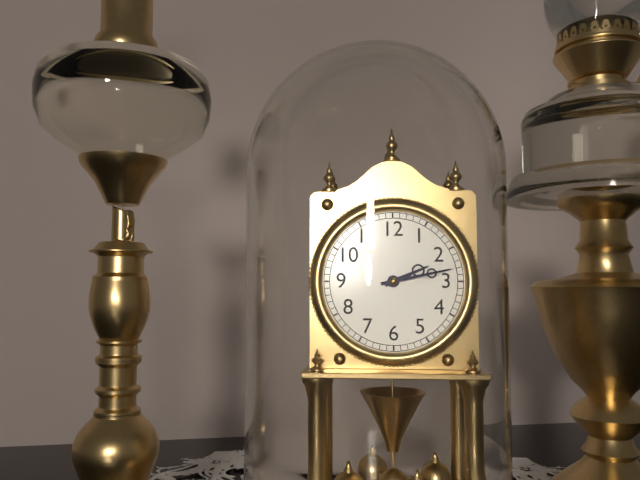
2h13
